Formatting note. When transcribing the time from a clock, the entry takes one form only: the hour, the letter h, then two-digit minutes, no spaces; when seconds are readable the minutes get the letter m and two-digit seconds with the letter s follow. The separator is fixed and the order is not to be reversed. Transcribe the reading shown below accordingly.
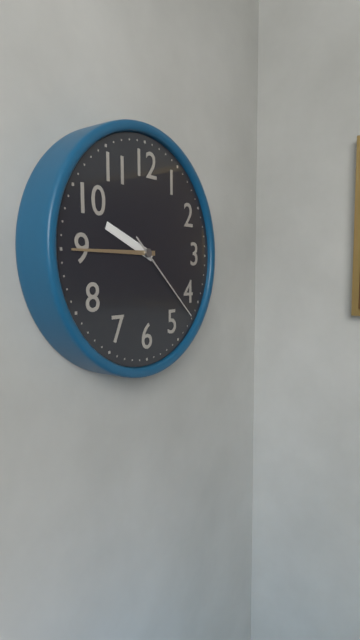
9h45m22s
